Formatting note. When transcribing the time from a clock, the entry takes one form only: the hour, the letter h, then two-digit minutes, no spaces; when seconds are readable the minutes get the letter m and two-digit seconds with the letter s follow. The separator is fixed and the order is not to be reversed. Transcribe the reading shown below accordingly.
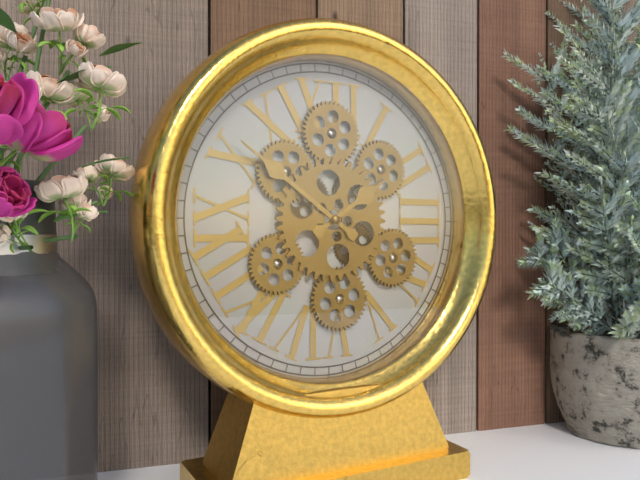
1h51
